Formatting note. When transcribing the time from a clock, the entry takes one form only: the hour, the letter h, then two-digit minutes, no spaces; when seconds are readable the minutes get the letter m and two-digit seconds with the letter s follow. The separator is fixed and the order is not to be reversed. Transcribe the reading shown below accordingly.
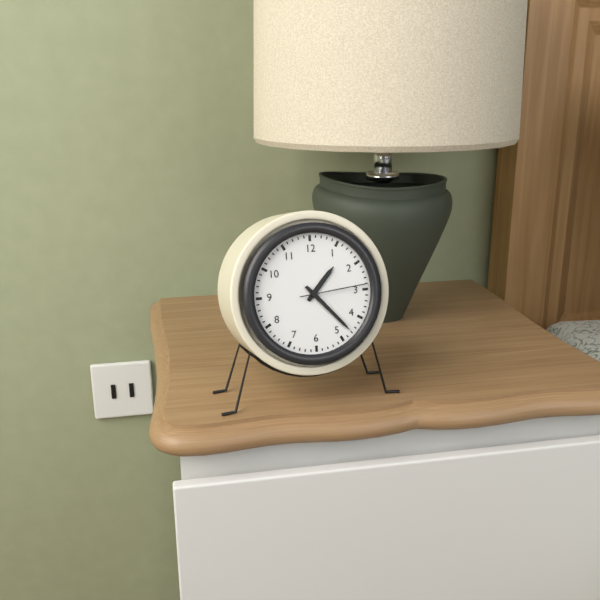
1h23m14s
